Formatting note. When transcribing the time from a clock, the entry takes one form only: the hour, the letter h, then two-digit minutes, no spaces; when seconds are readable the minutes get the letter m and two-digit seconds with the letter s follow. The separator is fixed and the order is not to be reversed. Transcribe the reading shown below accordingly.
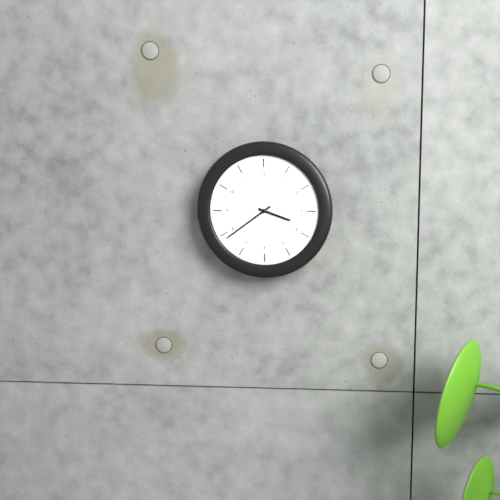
3h39
